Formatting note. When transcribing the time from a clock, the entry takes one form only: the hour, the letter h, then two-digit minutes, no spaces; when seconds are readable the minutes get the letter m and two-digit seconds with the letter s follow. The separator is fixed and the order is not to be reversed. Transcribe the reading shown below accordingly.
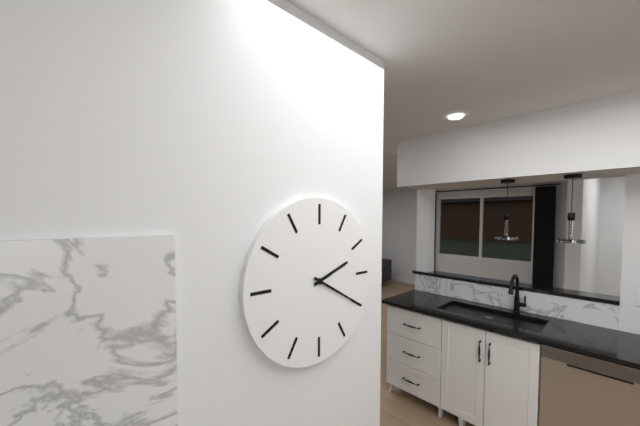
2h20
